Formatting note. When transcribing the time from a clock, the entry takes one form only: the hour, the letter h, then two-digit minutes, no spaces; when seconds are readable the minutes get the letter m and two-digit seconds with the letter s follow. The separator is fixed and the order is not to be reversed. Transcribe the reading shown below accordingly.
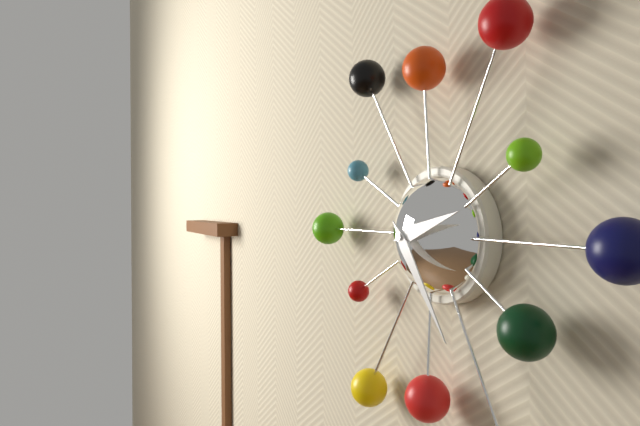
2h24
